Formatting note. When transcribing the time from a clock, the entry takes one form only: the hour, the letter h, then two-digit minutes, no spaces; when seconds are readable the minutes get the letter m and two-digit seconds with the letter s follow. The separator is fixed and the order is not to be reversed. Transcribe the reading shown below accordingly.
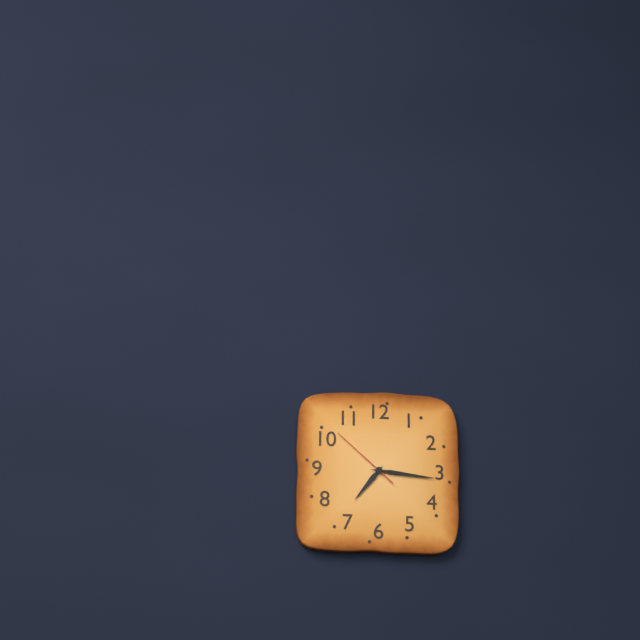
7h16m52s
